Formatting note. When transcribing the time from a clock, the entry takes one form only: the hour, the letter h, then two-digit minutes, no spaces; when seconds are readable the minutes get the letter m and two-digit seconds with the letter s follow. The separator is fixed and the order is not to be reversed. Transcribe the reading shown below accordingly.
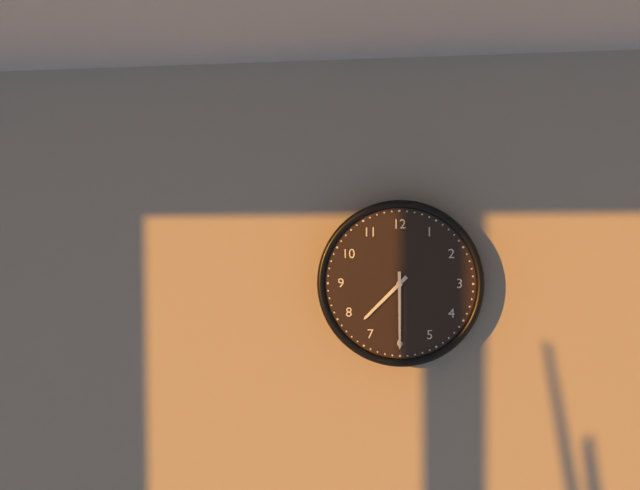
7h30
